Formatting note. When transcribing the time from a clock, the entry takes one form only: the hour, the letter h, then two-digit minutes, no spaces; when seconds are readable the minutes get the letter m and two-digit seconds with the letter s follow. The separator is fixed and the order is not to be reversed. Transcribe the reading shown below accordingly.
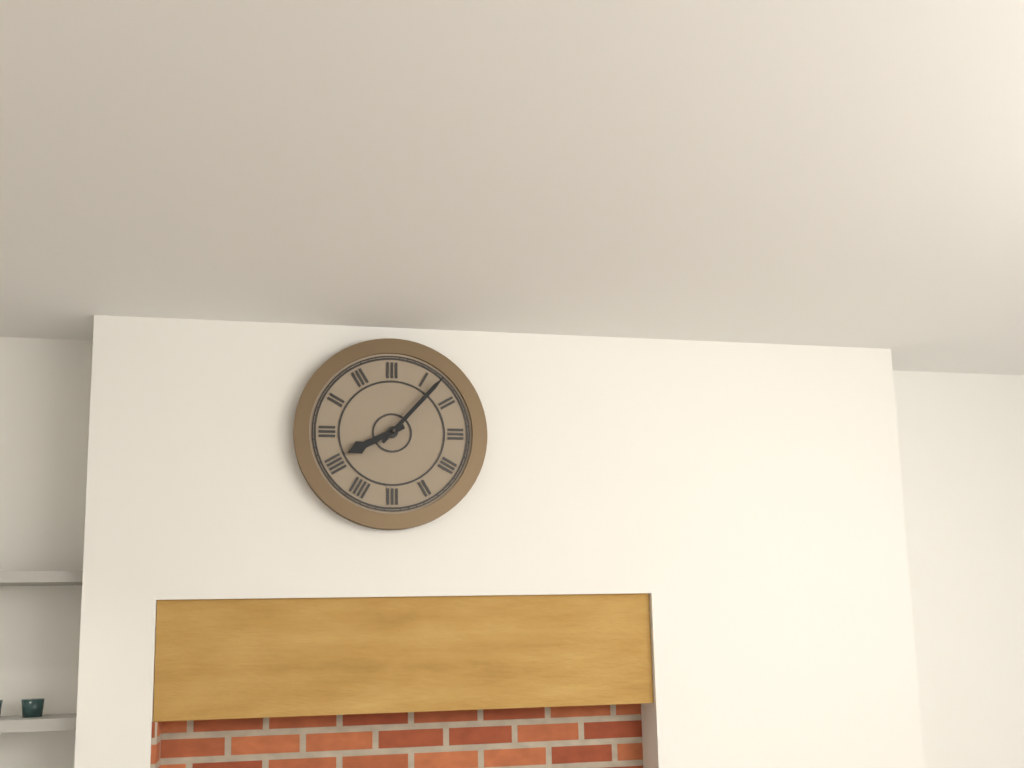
8h07
